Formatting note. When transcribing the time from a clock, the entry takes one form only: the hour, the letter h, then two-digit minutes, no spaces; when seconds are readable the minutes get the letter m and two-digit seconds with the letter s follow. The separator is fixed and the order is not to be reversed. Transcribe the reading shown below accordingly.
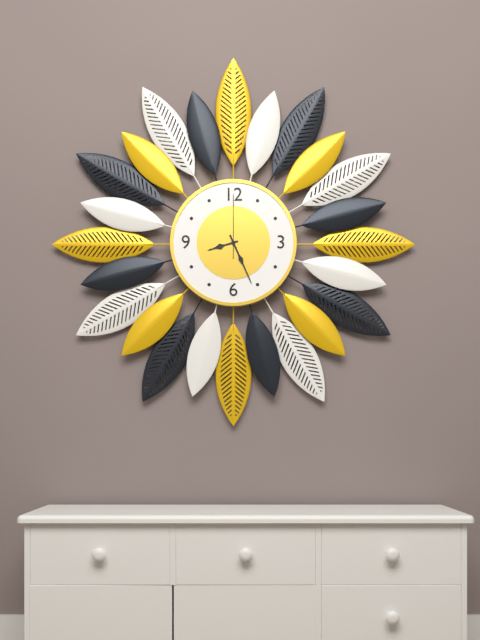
8h26m00s
